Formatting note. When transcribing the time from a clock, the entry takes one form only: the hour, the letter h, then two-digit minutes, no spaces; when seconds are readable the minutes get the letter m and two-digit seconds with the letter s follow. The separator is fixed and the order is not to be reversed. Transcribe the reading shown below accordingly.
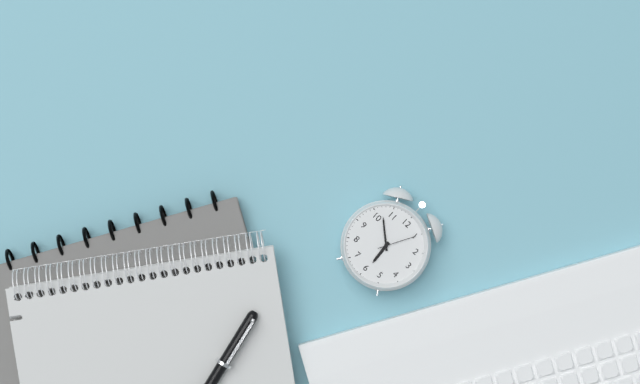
5h52
